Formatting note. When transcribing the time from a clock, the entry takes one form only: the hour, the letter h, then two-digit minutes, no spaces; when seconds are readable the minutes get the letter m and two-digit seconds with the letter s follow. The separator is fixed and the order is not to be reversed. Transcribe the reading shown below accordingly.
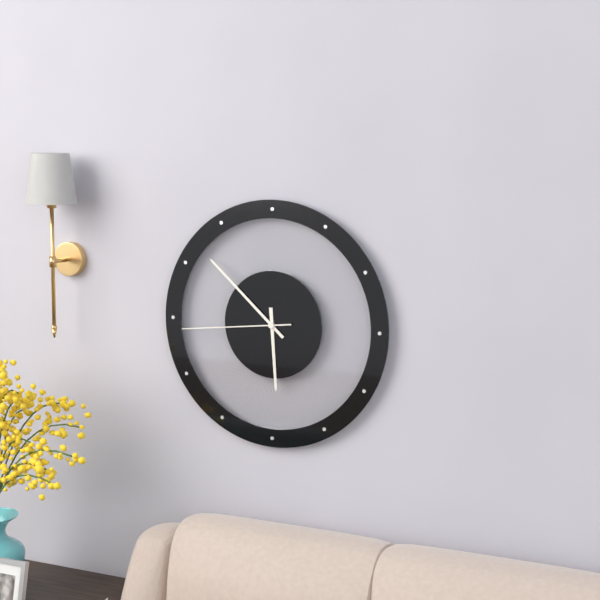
5h52m44s
